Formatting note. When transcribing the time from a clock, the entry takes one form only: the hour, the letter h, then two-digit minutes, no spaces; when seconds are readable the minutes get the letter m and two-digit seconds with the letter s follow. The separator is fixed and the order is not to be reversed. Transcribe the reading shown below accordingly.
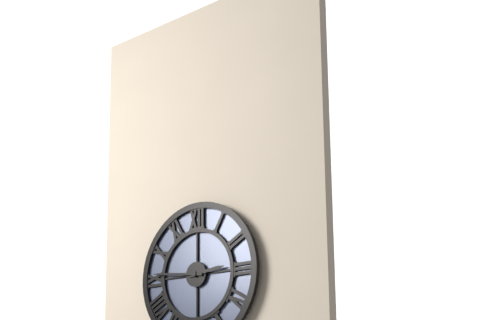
2h46
